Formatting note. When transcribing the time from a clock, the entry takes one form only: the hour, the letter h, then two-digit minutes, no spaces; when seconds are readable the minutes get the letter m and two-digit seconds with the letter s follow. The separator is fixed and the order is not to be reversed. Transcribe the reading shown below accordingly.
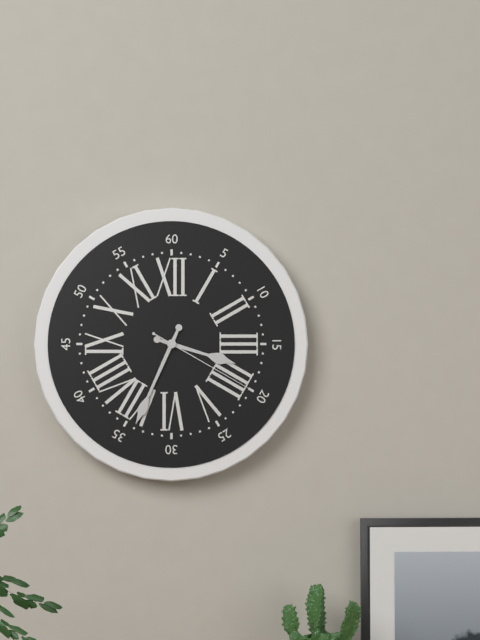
3h34m20s
